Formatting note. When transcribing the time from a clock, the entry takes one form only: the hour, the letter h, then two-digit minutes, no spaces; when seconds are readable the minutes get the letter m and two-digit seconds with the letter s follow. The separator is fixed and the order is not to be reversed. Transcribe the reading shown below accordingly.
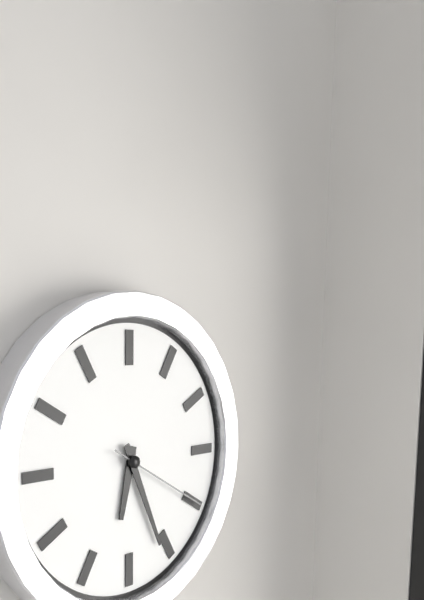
6h26m20s
